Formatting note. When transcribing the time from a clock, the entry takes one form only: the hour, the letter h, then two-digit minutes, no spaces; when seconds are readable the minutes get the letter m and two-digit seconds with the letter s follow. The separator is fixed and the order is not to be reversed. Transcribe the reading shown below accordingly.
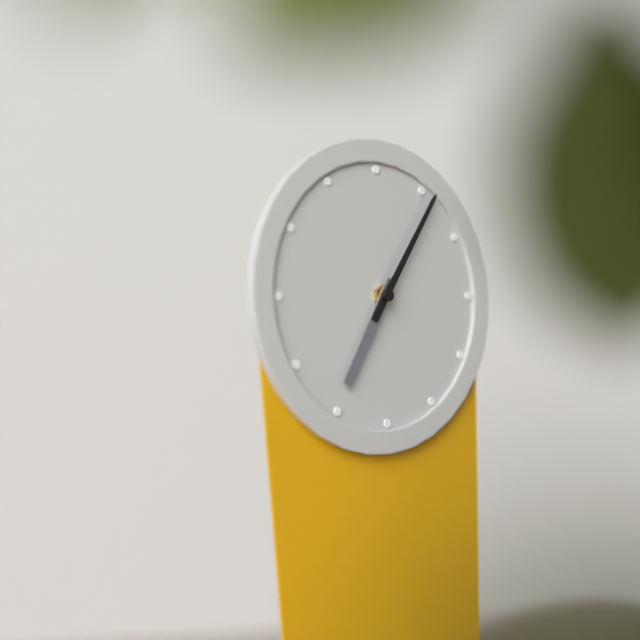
7h06
